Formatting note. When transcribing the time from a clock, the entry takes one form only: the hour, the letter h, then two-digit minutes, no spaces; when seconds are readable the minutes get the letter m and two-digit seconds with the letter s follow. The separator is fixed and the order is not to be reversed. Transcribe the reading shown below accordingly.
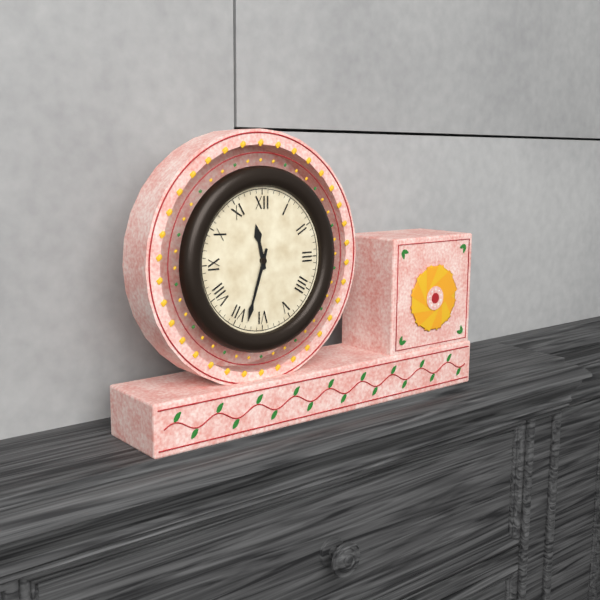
11h33
